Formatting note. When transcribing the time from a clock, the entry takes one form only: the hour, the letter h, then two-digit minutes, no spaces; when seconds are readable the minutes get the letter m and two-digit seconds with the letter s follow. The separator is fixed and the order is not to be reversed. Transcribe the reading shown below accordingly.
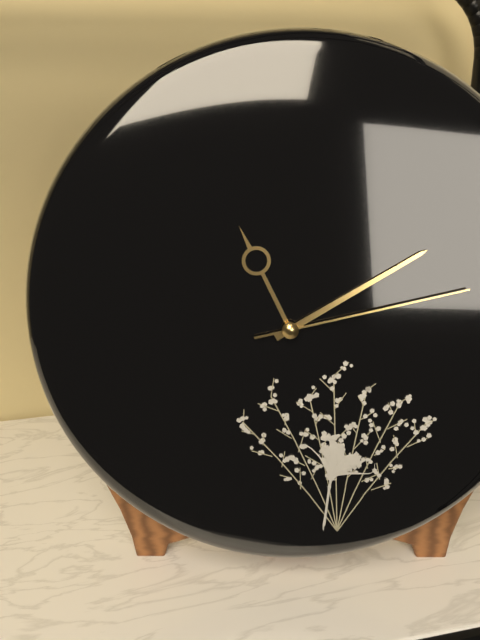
11h10m13s
